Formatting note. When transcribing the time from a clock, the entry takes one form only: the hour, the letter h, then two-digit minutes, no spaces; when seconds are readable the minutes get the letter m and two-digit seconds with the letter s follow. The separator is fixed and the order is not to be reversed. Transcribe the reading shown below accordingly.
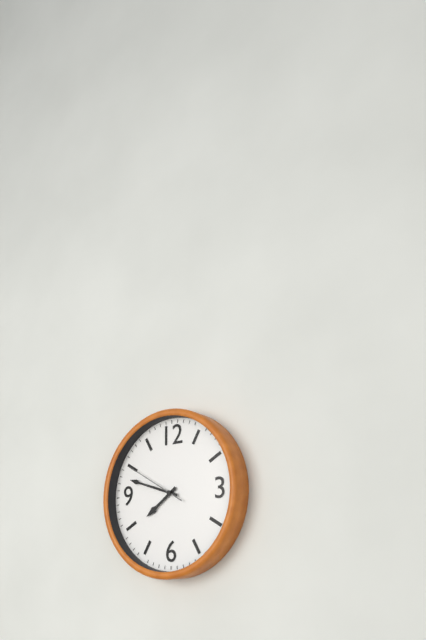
7h48m50s
